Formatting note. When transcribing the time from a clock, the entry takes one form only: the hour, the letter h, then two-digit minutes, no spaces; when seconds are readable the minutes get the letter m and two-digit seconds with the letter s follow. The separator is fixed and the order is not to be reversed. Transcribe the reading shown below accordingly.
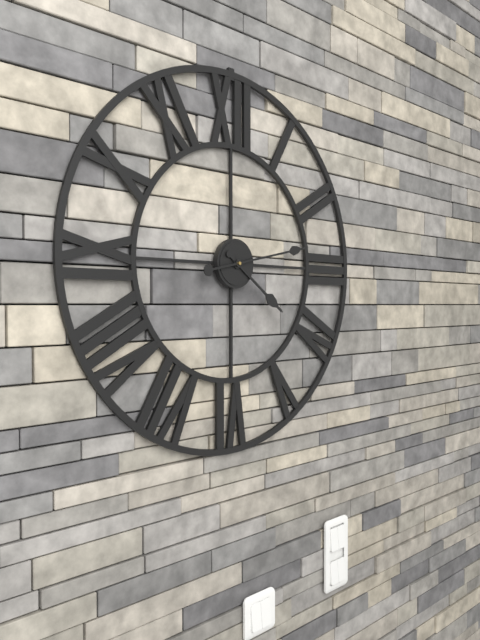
4h13
